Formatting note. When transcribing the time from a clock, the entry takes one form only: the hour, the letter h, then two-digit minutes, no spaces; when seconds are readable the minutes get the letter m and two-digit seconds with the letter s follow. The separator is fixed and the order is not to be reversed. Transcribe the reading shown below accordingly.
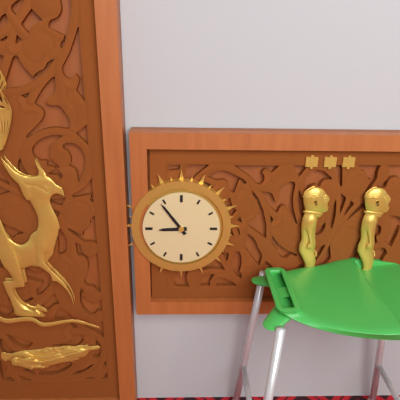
8h54
